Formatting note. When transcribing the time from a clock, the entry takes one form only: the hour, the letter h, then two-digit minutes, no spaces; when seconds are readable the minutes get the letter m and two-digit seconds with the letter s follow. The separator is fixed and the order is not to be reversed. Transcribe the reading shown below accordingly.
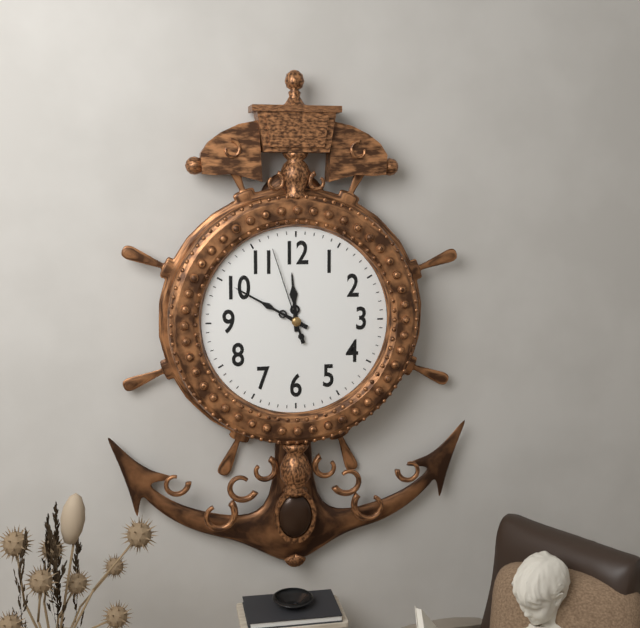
11h50m57s
